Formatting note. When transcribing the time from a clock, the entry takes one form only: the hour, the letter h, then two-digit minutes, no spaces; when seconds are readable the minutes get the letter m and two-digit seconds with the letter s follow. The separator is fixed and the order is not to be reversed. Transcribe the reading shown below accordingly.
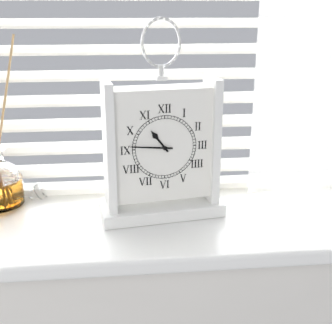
10h46
